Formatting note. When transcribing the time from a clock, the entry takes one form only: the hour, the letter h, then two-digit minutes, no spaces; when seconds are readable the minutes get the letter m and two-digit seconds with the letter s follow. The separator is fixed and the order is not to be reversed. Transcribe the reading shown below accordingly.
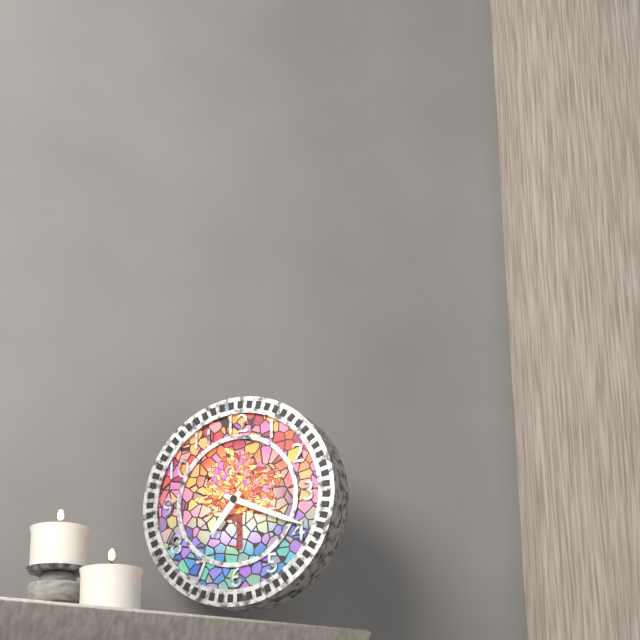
7h19
